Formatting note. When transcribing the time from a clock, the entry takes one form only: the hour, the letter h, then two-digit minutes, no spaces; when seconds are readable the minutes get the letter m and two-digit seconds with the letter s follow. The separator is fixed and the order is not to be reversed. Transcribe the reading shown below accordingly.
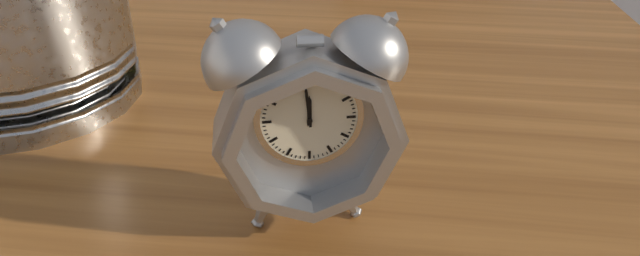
11h59
